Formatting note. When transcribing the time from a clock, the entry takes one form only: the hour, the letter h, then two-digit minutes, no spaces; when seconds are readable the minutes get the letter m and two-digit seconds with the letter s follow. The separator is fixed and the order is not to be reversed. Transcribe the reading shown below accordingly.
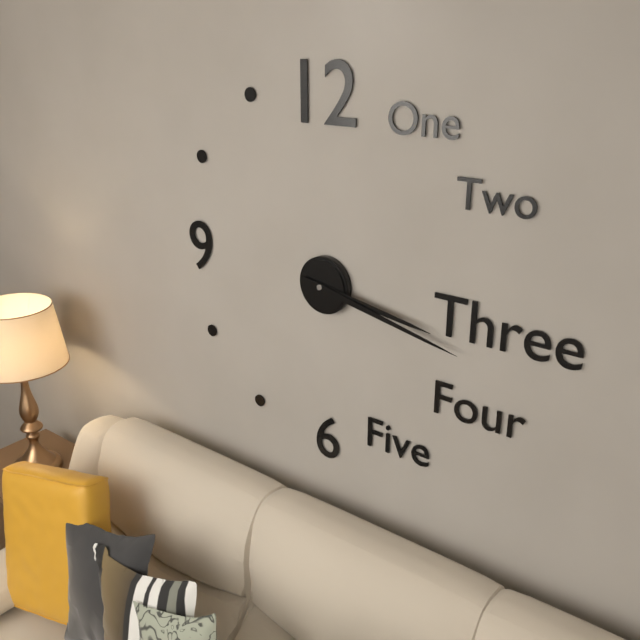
3h17
